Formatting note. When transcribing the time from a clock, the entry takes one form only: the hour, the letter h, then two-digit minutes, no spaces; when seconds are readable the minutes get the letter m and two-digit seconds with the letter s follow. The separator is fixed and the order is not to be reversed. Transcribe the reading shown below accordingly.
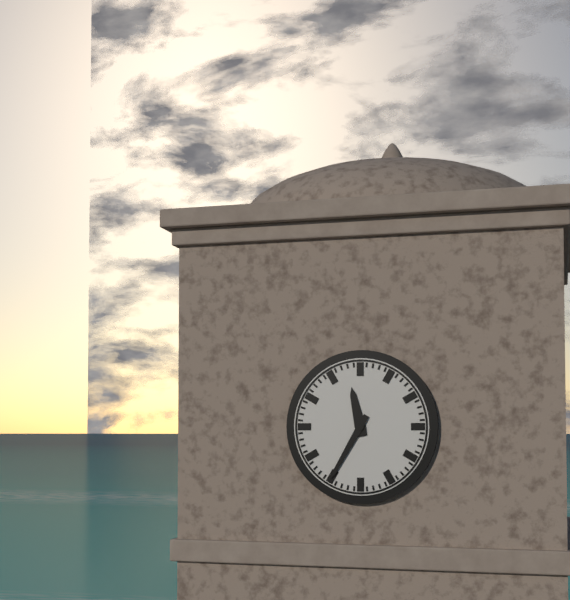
11h35
